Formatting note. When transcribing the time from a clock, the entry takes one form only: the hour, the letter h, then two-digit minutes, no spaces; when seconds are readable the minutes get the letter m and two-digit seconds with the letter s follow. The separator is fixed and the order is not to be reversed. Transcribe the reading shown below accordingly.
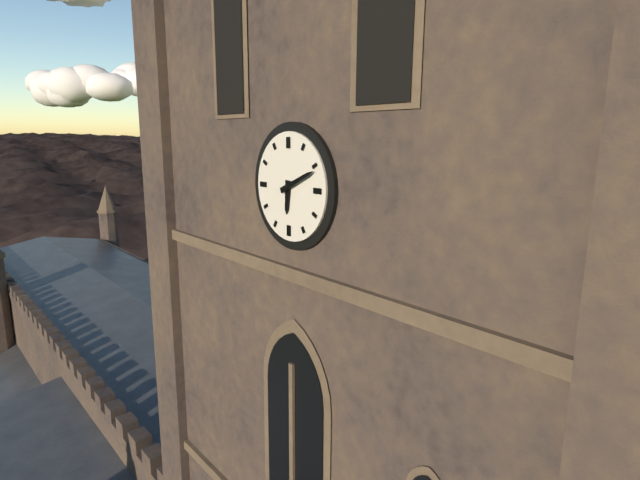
6h11
